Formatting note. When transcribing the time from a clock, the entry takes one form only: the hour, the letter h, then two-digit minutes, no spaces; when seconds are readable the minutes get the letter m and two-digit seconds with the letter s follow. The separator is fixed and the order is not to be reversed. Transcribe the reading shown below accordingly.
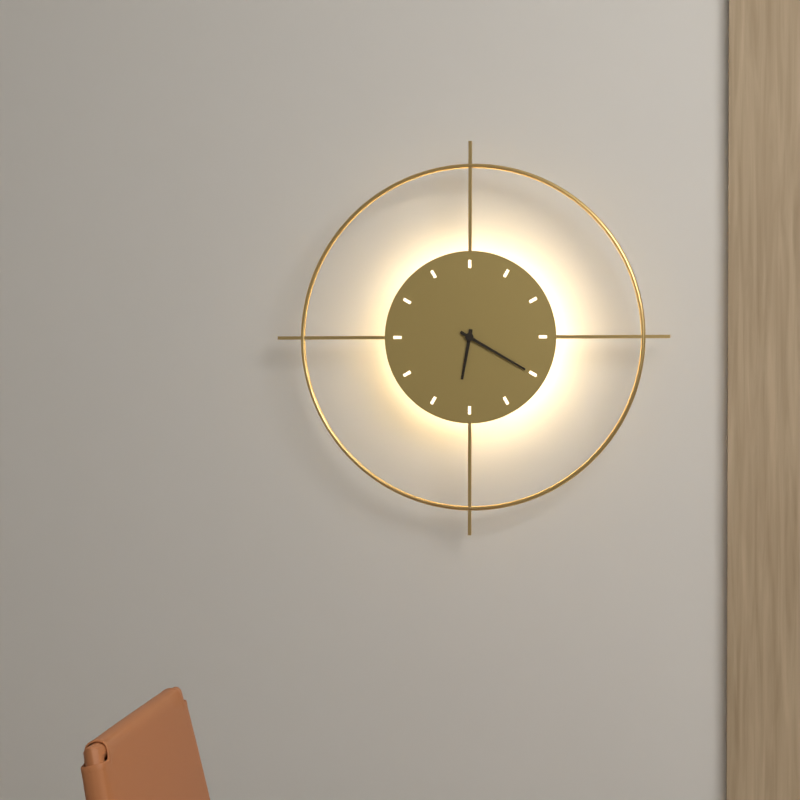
6h20
